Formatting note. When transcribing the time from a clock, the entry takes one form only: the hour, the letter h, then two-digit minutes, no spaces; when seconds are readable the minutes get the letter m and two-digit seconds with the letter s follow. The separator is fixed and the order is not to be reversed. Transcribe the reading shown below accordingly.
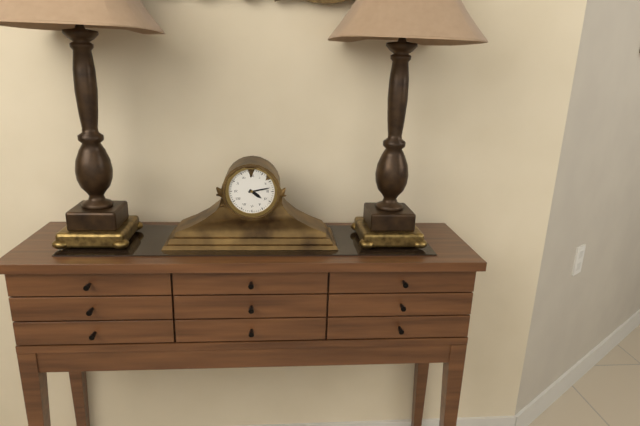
4h13
